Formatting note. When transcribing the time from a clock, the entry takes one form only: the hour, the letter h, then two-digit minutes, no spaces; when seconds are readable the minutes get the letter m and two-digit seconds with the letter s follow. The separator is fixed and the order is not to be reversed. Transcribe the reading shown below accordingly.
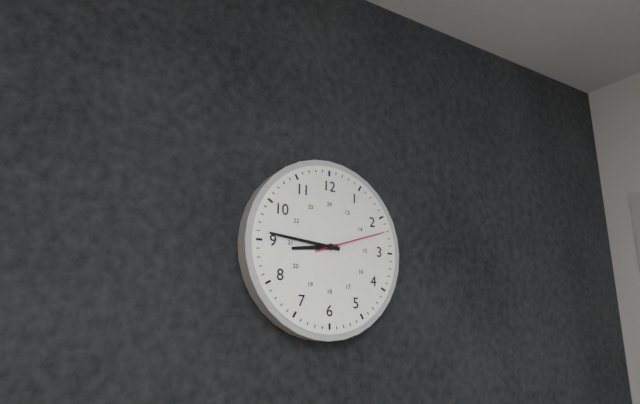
8h46m12s
